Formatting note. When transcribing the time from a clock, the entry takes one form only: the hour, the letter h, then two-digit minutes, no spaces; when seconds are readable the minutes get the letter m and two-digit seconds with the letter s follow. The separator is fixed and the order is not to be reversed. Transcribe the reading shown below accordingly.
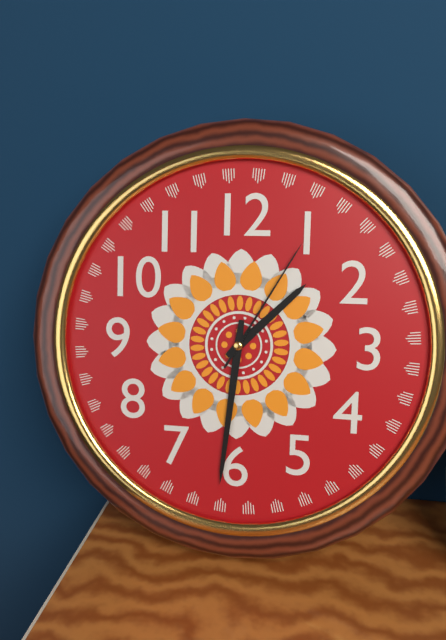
1h31m05s
